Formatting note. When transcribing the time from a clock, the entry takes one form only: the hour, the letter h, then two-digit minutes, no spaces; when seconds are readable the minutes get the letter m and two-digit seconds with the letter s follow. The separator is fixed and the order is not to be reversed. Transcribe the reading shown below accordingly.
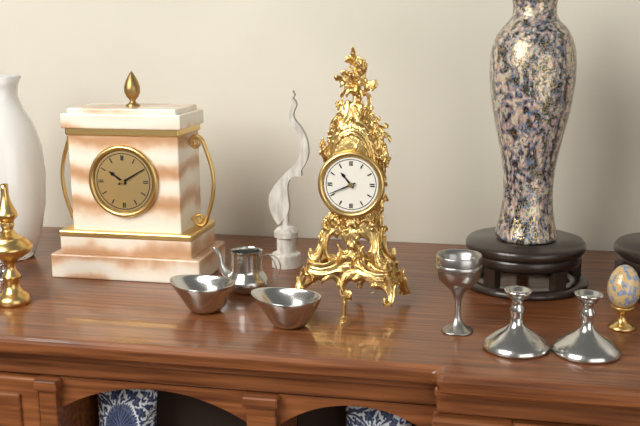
10h41
